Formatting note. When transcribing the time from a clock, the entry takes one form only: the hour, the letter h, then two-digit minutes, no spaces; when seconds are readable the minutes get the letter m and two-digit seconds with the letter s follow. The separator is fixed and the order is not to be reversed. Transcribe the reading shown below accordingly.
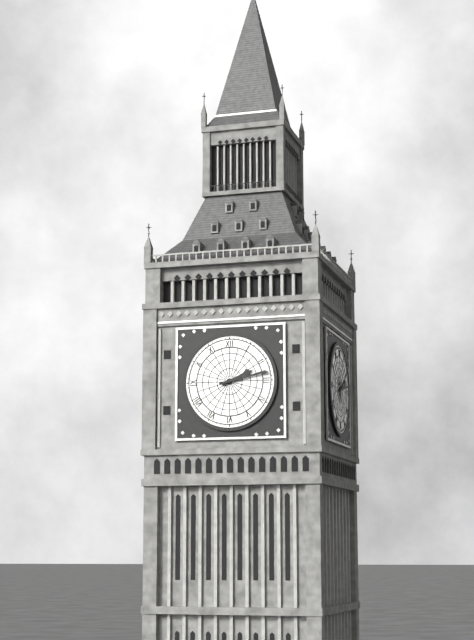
2h13
